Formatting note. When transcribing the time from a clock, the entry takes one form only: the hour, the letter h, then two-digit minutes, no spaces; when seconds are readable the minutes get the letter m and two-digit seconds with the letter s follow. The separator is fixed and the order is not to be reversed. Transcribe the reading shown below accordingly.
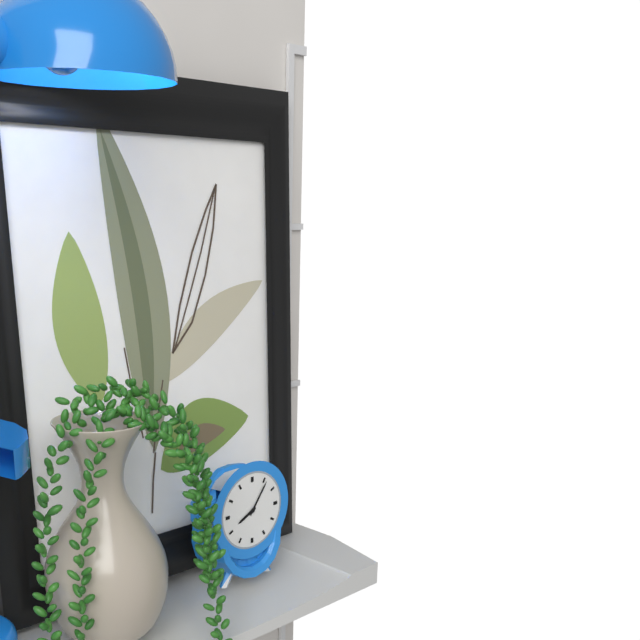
8h06
